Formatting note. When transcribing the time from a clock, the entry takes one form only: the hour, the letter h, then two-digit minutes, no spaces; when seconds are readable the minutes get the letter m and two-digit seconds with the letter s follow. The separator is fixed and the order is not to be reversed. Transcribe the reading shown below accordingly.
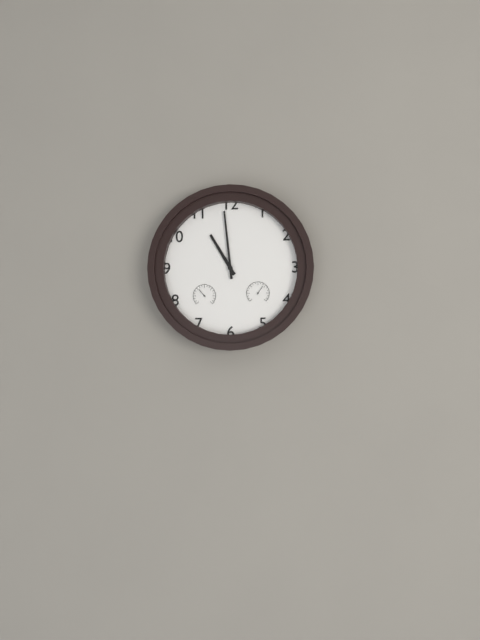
10h59
